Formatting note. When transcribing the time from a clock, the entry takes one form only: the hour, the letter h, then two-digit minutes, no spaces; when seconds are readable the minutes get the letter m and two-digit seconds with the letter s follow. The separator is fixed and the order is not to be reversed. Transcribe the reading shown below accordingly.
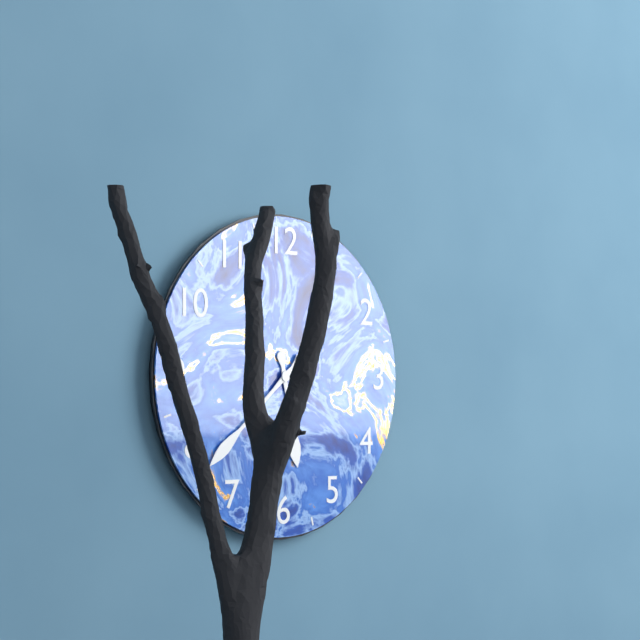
5h38
